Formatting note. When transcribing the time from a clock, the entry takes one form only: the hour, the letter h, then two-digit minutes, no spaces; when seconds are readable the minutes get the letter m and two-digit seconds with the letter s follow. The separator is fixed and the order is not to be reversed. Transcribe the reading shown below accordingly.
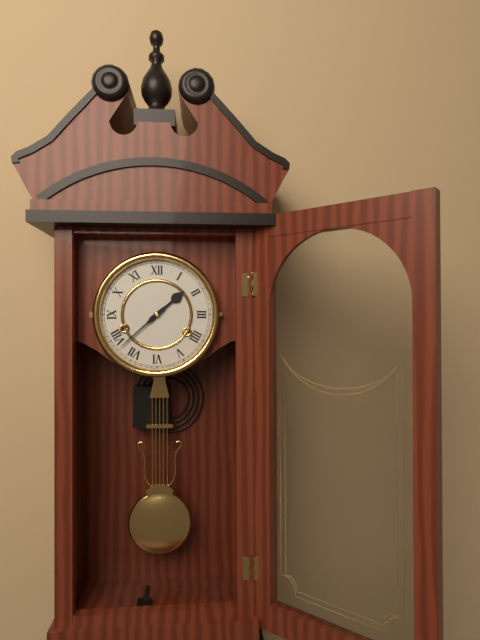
1h38
